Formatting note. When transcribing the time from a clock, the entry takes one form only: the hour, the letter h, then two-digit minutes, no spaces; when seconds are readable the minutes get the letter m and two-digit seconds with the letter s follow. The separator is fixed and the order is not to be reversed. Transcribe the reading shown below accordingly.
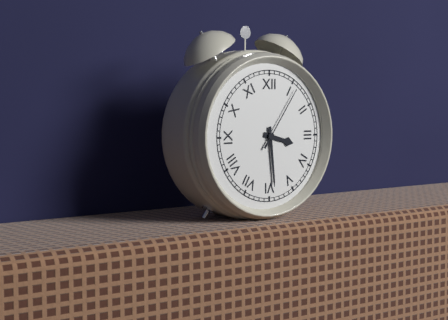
3h29m06s
